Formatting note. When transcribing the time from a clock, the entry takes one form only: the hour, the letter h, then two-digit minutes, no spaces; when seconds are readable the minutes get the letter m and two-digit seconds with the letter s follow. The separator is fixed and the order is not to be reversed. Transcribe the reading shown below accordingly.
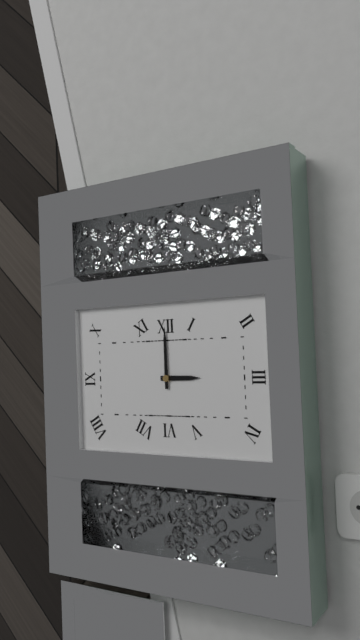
3h00
